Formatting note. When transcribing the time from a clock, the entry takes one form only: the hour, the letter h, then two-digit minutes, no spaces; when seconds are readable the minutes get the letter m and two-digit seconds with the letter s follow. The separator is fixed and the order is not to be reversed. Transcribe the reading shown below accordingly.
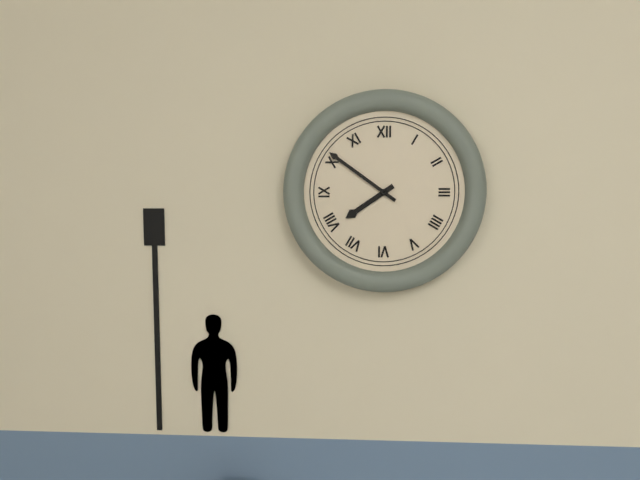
7h51
